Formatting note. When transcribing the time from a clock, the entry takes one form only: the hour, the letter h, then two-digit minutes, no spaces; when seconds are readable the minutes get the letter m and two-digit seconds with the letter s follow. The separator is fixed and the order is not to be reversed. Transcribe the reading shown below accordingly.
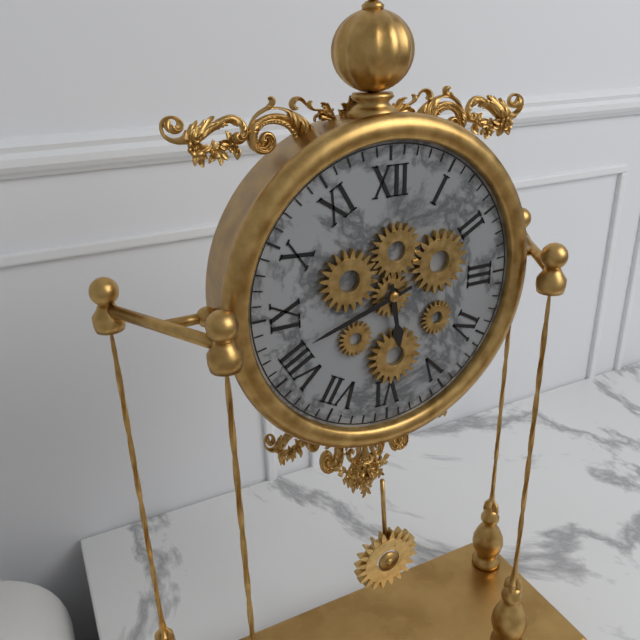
5h42
